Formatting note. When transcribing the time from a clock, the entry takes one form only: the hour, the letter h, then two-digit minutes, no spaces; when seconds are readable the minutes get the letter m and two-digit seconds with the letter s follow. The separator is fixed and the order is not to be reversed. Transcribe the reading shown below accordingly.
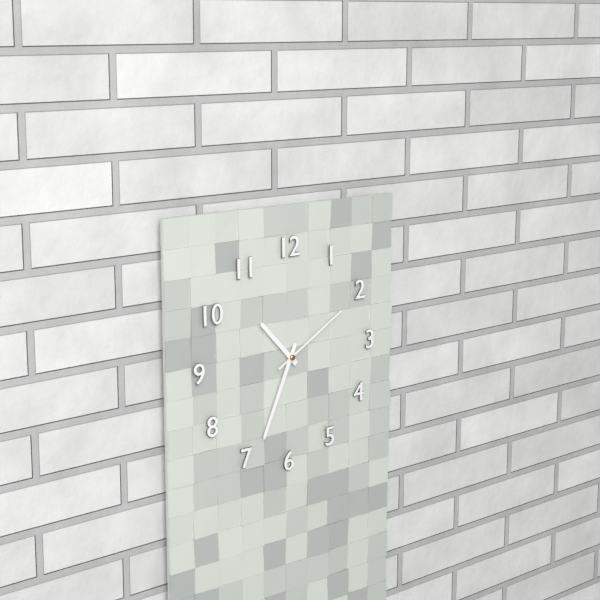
10h34m10s
